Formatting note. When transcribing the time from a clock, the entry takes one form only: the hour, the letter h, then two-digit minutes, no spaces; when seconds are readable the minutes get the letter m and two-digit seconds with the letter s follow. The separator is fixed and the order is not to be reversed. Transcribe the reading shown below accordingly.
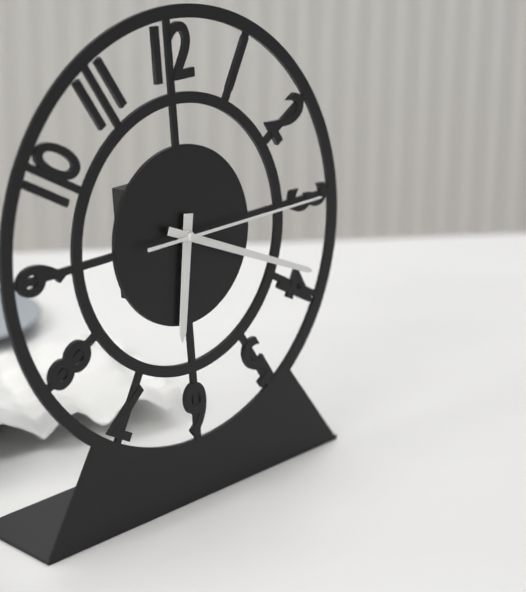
6h19m15s
